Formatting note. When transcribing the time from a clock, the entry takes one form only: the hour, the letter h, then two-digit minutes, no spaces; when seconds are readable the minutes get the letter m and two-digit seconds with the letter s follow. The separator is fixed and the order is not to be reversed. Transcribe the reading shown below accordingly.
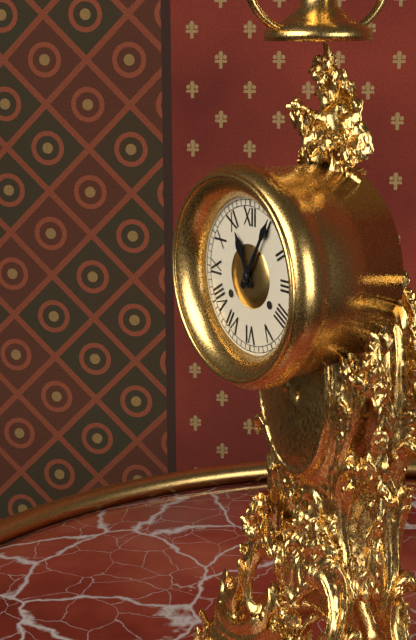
11h05
